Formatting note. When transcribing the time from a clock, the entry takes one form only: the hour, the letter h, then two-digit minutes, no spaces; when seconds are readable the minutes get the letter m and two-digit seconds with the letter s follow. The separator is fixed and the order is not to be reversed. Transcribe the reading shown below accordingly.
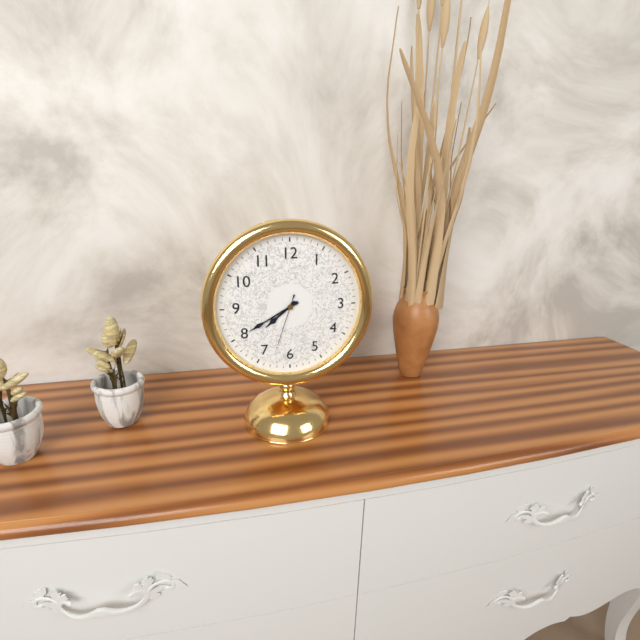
7h40m33s
